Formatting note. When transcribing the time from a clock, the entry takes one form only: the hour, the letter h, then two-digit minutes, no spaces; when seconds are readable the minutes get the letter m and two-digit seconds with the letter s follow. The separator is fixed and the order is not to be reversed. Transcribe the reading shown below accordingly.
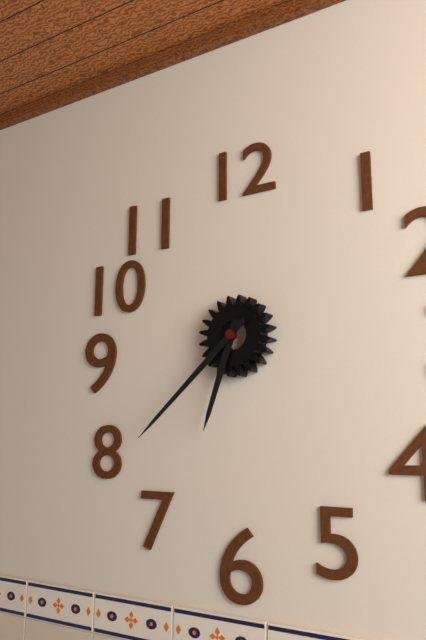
6h38
